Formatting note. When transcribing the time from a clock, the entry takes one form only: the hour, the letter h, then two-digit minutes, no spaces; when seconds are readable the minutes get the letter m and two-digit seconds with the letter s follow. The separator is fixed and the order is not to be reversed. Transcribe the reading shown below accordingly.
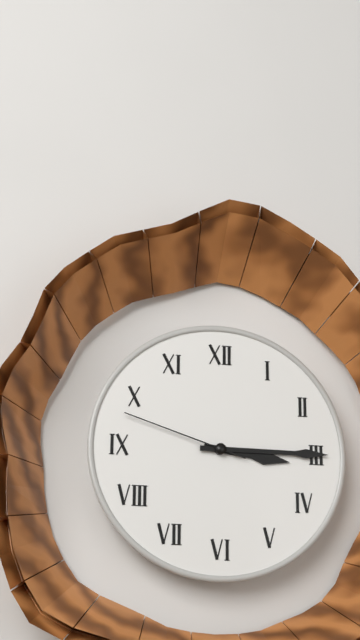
3h15m48s
